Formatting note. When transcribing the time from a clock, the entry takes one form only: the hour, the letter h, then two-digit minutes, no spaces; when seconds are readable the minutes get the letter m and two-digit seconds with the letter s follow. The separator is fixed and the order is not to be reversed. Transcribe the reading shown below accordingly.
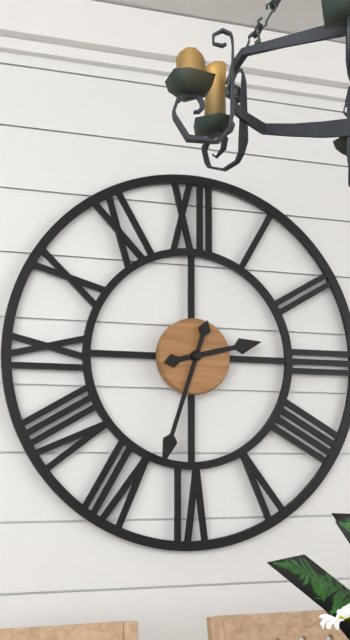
2h33
